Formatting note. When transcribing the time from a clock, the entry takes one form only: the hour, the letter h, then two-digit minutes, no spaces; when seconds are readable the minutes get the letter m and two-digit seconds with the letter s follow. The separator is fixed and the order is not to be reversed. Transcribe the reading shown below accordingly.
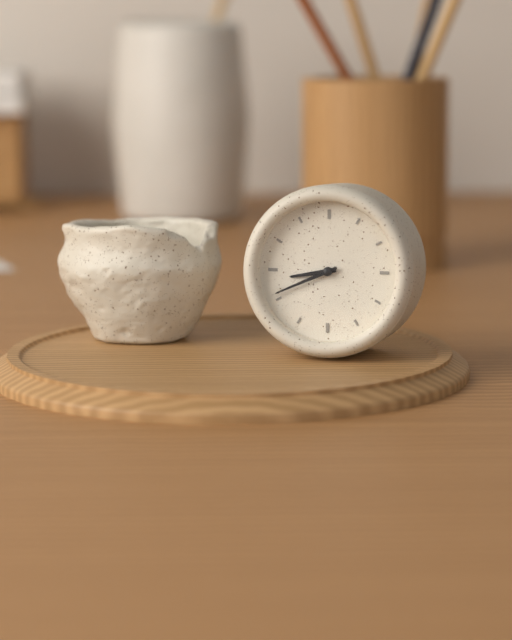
8h41
